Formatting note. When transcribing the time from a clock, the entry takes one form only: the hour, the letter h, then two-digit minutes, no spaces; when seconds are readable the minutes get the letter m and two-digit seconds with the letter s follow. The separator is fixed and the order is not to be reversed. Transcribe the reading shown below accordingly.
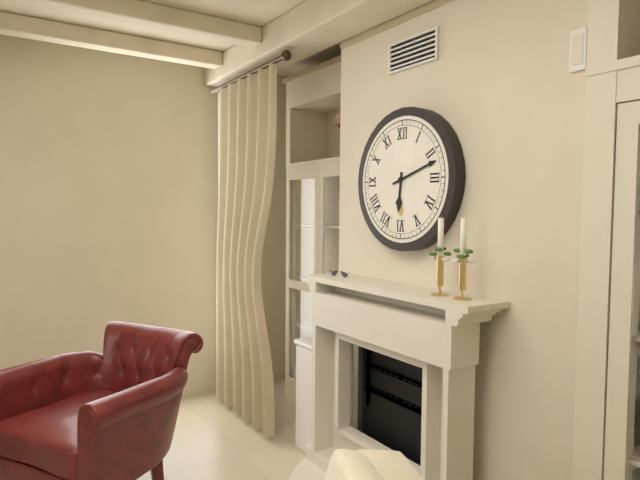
6h12
